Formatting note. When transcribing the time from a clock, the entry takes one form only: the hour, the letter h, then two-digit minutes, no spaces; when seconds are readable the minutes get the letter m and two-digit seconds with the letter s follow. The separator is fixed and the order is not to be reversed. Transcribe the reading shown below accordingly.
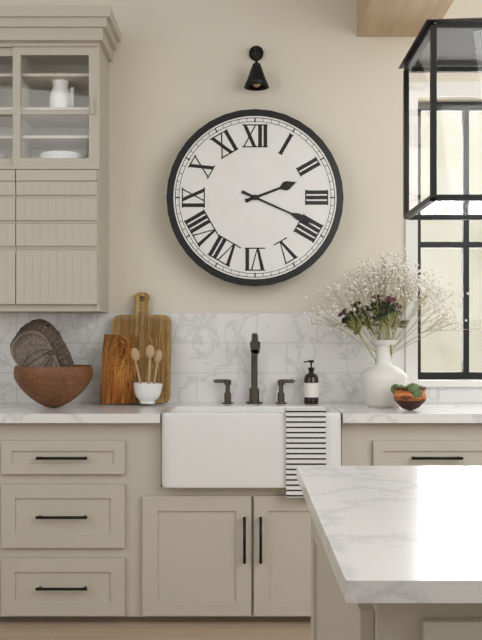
2h19
